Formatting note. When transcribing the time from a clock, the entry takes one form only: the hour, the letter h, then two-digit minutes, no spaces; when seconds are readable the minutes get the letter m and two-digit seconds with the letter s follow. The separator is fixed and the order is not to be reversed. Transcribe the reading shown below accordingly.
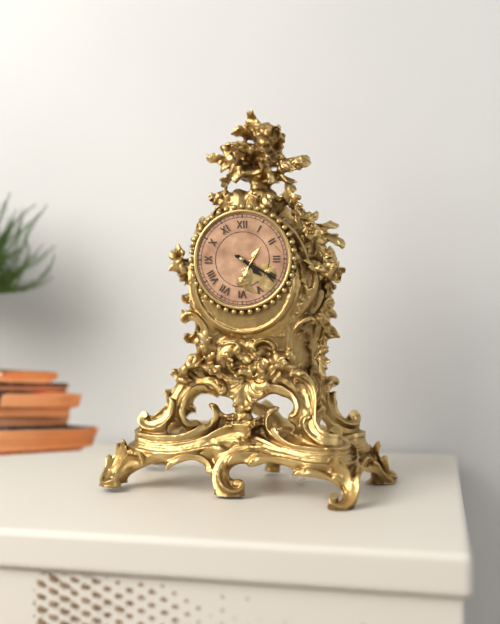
4h20
